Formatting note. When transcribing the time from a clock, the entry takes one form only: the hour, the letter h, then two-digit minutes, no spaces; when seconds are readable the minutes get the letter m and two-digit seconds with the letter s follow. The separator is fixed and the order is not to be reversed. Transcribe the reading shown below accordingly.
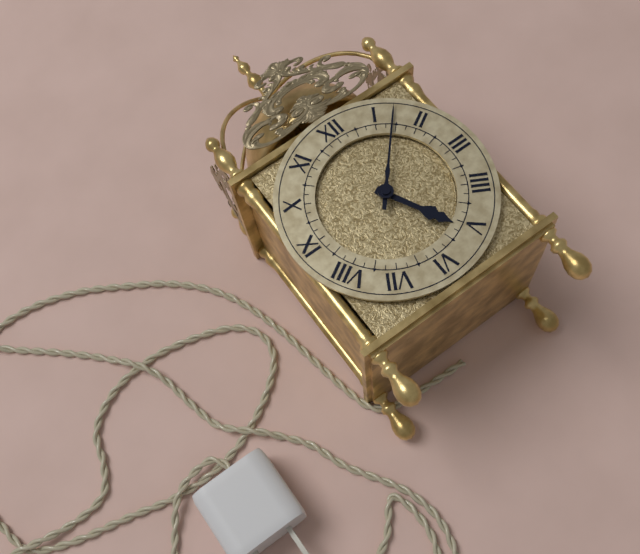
5h07
